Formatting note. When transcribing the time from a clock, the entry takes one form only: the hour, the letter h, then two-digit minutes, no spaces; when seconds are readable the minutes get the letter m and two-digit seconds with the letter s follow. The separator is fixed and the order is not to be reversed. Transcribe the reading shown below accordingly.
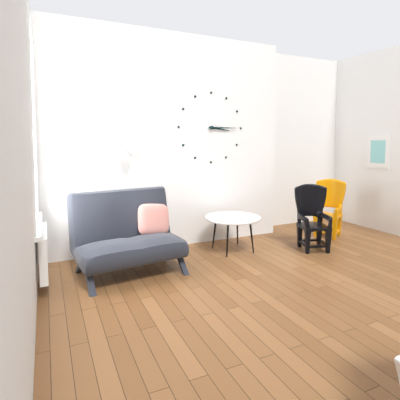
3h15
